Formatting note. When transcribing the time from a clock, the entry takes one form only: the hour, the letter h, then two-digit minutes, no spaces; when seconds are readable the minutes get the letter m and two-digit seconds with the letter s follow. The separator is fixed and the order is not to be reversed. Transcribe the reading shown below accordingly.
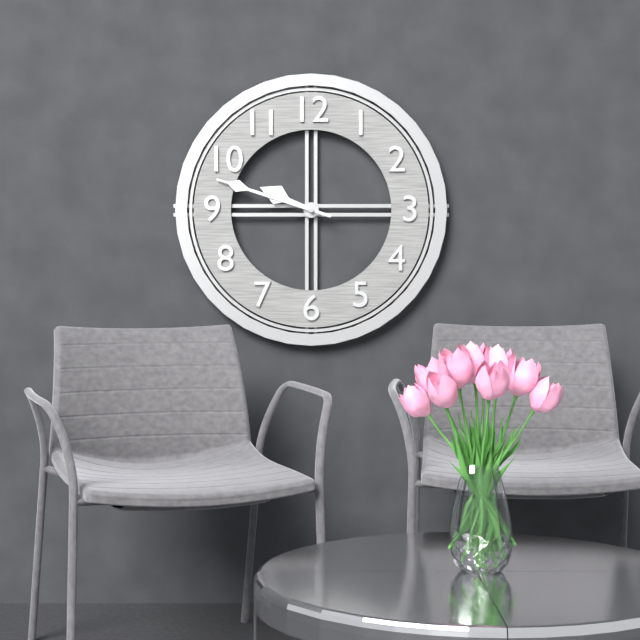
9h48
